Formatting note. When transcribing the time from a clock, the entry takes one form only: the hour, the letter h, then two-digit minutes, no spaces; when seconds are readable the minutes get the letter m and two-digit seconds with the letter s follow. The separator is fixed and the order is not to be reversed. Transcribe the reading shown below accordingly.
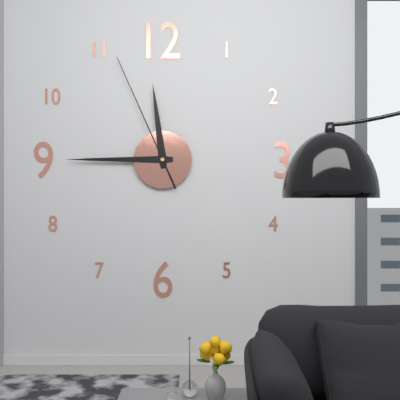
11h45m56s
